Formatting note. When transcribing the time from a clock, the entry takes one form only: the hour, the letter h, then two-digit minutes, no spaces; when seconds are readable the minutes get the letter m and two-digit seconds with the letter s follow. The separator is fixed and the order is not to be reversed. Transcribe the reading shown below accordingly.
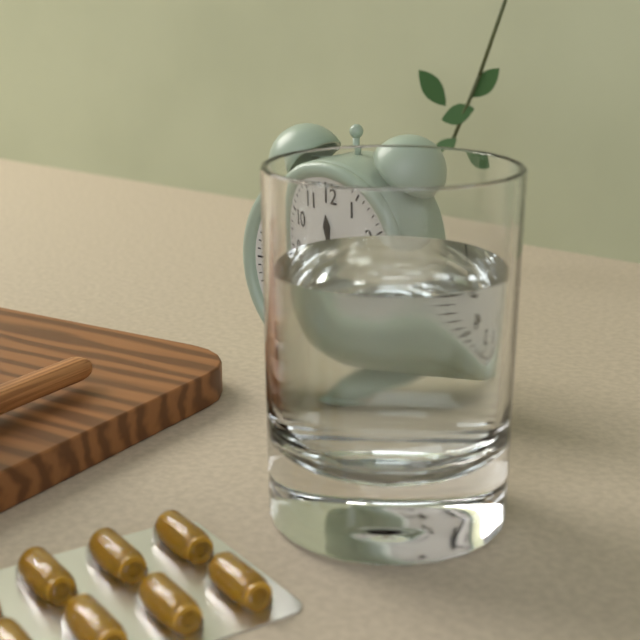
11h45m42s
